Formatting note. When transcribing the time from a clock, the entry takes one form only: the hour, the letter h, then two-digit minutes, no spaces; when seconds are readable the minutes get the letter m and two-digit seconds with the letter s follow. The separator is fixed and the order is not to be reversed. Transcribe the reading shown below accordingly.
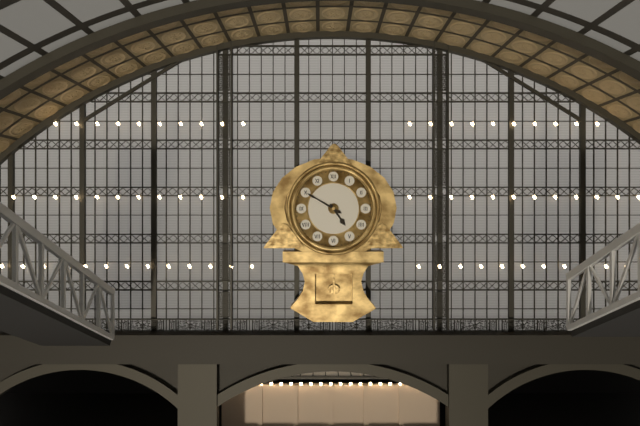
4h50
